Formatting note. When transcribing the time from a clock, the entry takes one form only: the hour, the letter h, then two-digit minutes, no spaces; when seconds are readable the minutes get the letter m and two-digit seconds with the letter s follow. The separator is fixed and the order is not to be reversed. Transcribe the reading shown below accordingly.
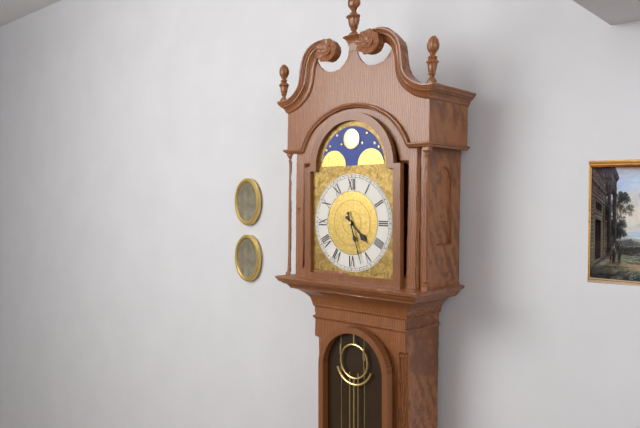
4h27
